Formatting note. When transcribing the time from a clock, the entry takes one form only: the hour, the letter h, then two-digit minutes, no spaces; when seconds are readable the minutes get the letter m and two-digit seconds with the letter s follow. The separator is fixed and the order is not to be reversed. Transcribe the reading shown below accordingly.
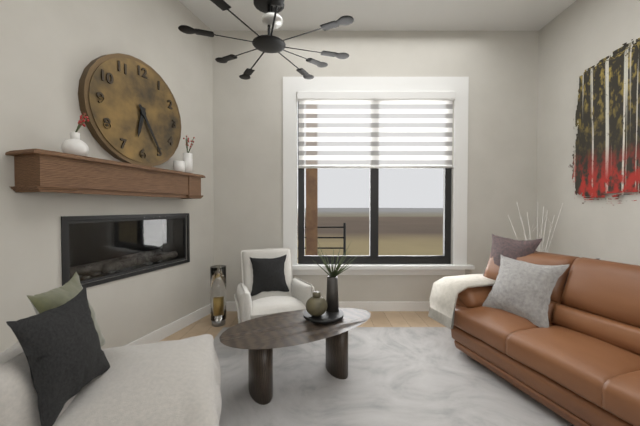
6h25
